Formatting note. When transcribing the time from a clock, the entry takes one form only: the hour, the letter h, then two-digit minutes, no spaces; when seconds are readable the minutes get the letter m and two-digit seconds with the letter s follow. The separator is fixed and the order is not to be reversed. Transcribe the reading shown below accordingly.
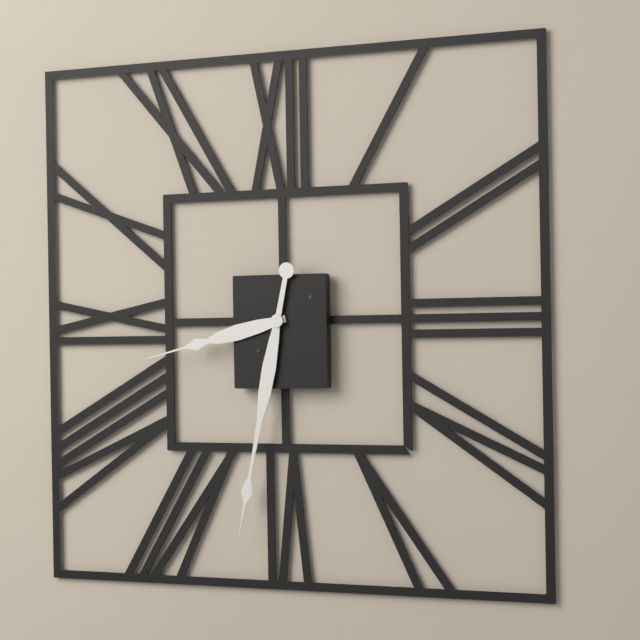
8h32
